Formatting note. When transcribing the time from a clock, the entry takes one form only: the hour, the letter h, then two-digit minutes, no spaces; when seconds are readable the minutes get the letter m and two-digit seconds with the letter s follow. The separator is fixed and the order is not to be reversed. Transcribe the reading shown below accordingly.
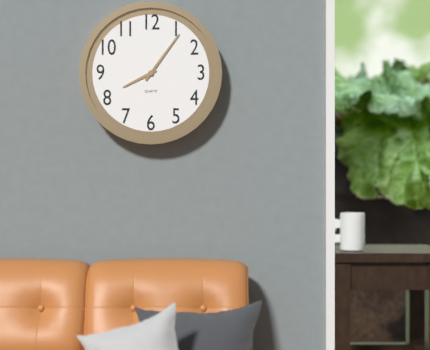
8h06
